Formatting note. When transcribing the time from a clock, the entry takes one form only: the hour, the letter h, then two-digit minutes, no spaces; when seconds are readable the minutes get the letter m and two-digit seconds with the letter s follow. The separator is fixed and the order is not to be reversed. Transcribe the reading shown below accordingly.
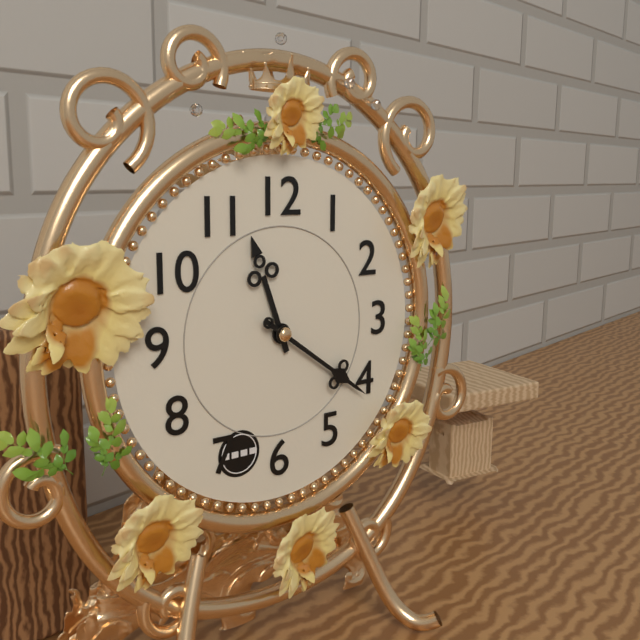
11h21
